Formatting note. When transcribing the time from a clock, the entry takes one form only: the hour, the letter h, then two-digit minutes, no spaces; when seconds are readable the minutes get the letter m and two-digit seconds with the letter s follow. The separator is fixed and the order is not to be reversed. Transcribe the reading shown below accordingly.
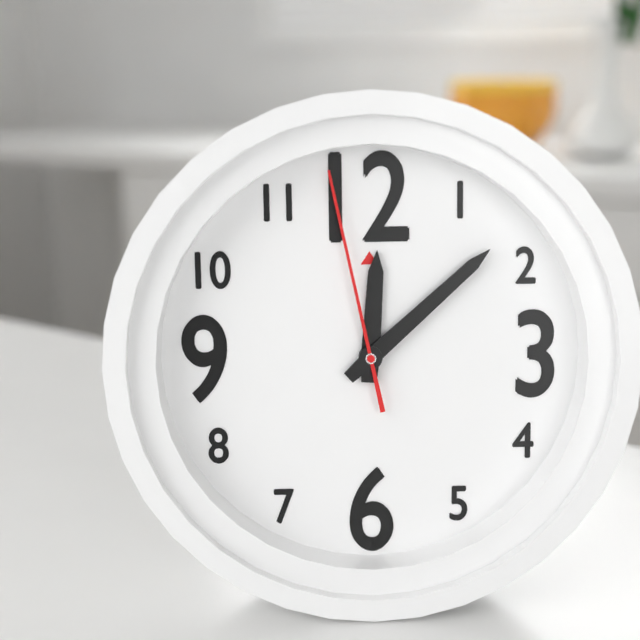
12h08m58s
